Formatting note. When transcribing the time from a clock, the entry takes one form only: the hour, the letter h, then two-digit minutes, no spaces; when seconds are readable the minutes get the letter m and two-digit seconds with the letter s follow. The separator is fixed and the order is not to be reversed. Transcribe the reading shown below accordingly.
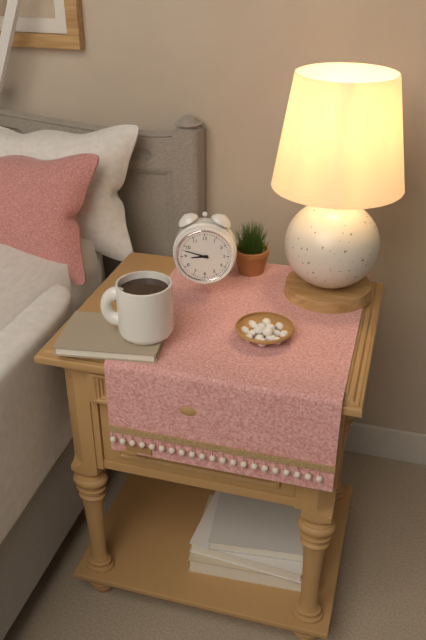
8h48
